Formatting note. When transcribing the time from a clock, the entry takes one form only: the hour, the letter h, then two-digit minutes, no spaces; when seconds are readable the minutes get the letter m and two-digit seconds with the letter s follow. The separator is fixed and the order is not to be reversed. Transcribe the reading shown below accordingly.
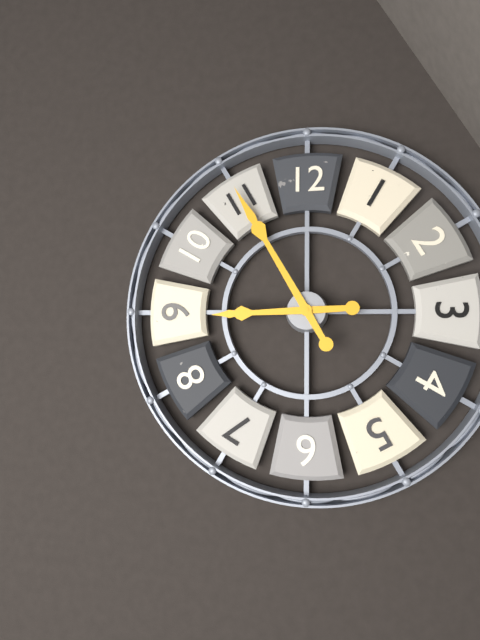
8h55
